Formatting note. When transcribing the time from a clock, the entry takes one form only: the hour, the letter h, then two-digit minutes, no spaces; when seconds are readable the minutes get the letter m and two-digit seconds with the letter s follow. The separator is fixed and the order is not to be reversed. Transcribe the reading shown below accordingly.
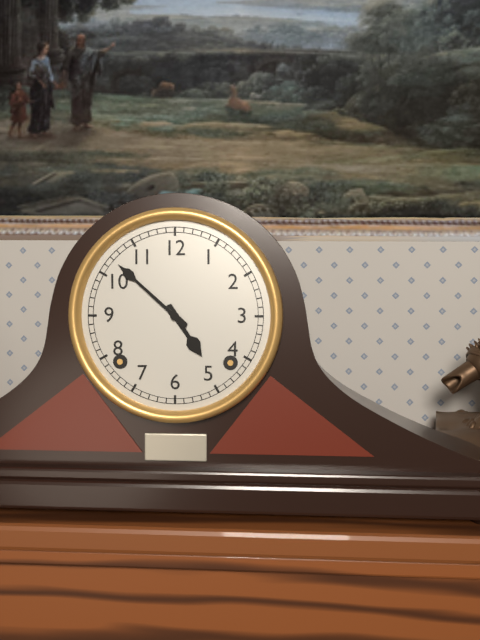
4h52
